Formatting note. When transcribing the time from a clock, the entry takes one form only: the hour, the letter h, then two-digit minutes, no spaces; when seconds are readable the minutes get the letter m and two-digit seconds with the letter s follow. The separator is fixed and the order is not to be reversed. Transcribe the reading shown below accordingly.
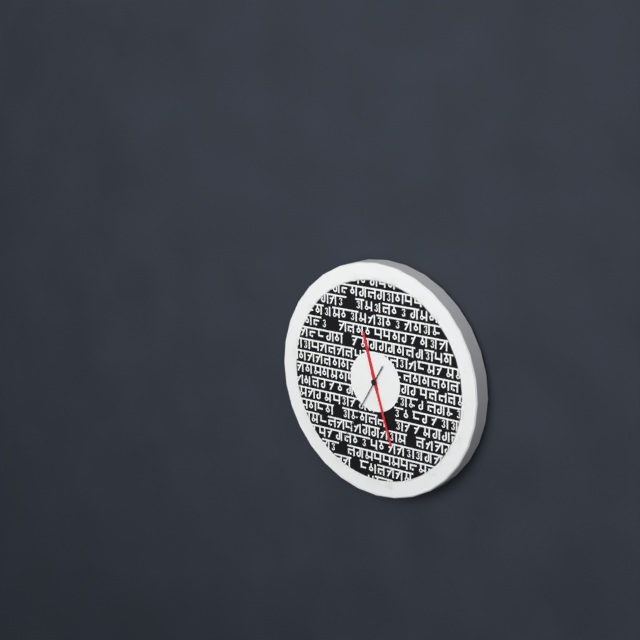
11h27m35s
